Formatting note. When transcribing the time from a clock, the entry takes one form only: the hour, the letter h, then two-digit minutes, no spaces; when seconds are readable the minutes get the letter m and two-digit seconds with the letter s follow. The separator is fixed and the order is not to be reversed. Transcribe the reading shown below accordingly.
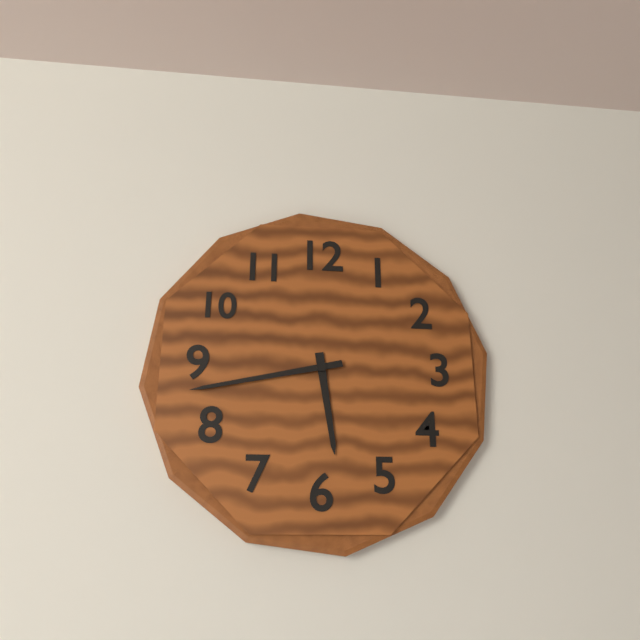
5h43
